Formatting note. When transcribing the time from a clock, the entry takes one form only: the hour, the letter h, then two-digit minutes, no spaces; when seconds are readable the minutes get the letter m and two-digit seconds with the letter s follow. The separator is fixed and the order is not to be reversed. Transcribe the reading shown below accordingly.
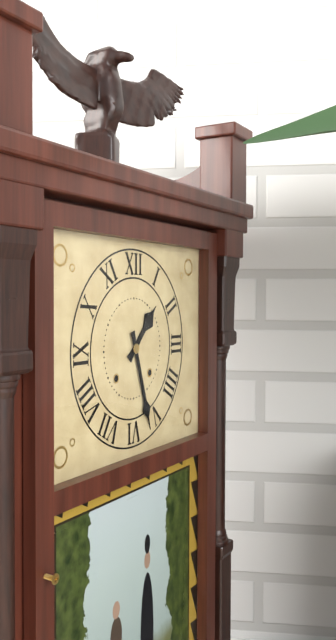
1h27
